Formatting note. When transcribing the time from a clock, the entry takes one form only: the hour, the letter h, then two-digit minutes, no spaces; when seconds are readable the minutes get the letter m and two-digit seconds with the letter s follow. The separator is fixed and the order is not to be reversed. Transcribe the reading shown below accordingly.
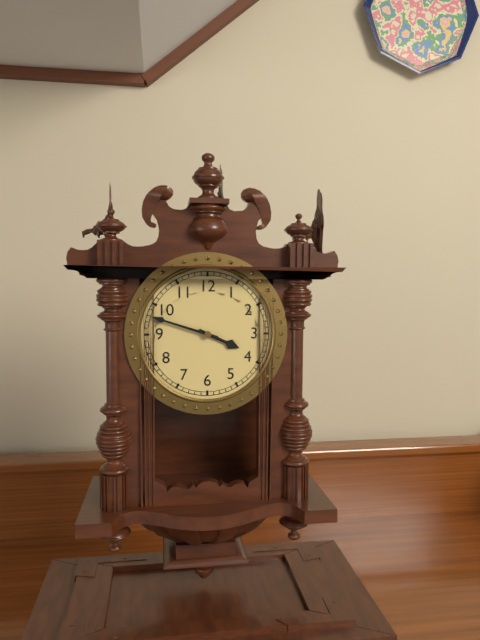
3h48
